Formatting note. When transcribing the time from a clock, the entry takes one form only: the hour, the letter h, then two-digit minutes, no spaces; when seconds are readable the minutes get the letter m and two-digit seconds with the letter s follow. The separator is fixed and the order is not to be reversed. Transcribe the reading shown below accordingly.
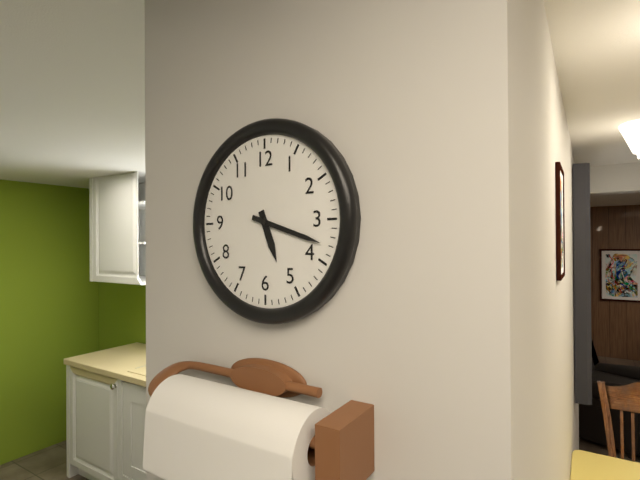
5h18
